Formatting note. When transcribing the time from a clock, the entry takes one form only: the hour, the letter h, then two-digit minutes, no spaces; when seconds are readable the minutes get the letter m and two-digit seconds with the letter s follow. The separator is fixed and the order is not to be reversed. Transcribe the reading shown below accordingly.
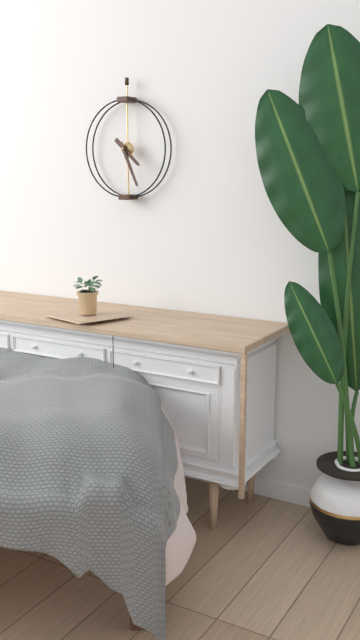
4h26
